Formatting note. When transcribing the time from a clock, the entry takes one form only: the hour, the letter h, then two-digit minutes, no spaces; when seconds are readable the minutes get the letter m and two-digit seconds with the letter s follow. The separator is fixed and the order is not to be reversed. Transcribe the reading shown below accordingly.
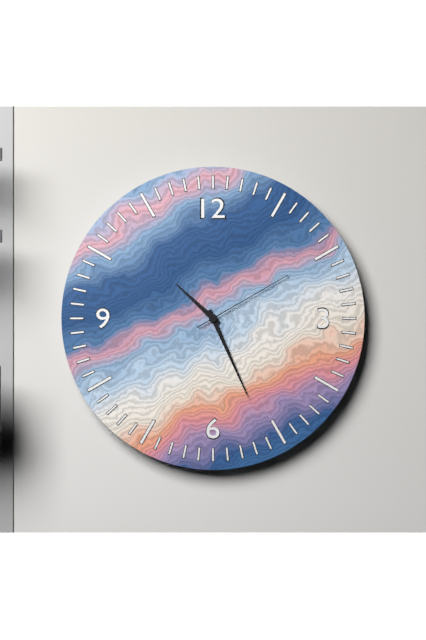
10h26m10s
